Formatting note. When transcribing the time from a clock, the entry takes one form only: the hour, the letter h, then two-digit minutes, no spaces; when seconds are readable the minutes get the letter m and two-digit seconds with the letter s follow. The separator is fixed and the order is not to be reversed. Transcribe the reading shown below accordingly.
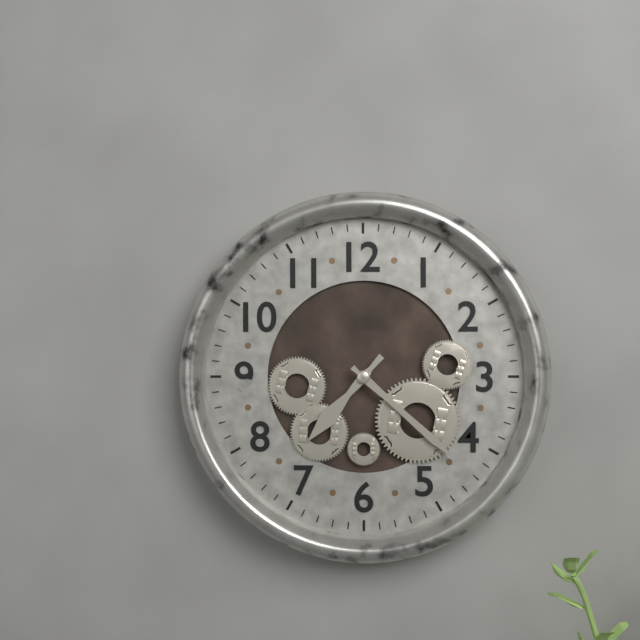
7h22
